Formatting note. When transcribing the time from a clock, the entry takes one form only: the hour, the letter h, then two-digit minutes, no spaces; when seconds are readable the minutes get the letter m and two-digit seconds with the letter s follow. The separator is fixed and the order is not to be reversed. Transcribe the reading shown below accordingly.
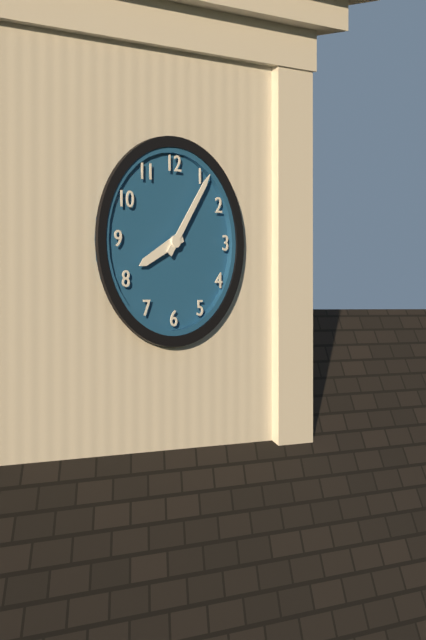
8h06
